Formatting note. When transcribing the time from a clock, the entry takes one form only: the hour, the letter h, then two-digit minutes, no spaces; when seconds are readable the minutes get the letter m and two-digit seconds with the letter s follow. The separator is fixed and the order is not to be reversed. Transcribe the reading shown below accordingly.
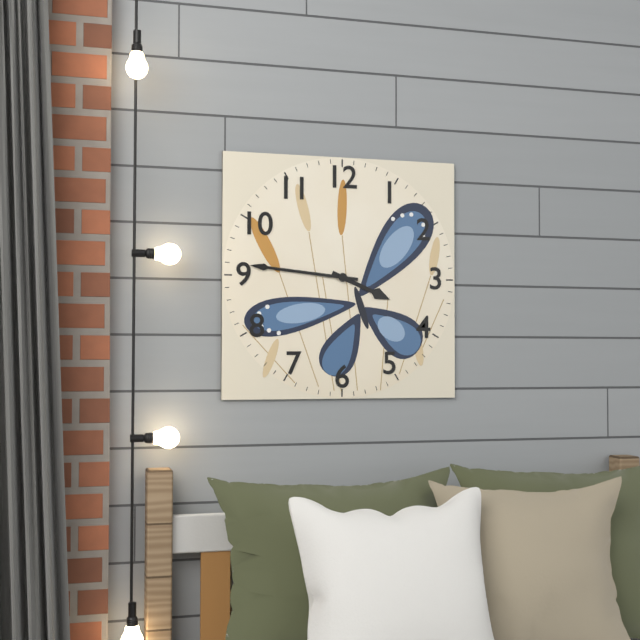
3h46
